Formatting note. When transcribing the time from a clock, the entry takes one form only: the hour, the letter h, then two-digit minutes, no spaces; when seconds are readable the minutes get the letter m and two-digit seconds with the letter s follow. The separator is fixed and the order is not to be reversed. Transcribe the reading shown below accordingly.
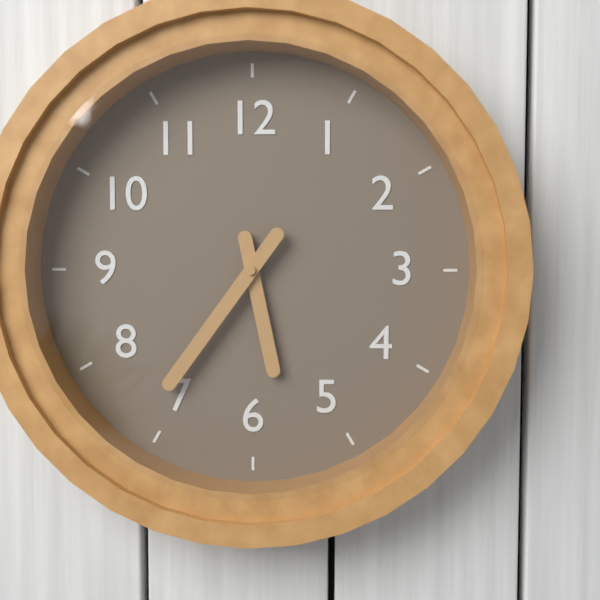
5h36
